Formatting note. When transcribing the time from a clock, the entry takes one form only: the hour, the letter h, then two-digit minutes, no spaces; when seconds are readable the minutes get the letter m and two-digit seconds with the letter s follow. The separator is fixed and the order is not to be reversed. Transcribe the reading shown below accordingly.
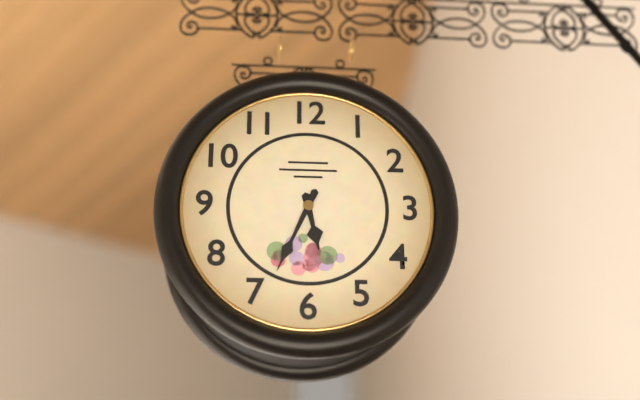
5h34
